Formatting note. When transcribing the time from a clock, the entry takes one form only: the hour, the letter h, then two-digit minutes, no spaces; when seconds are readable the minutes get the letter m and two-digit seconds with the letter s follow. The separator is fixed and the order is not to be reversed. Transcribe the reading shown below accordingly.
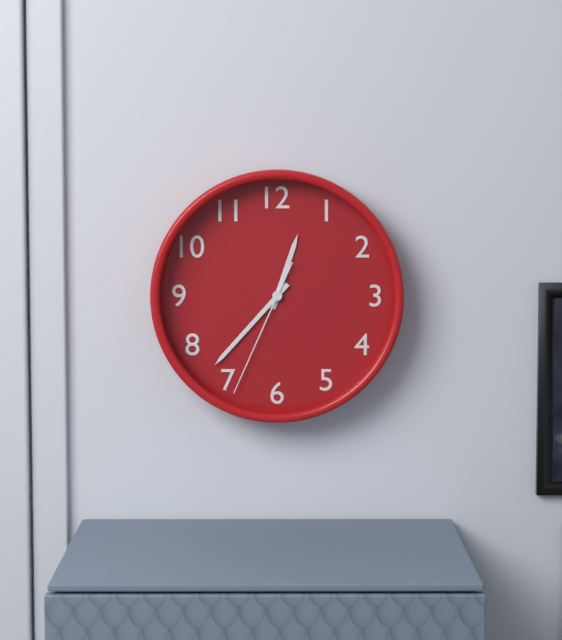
12h37m34s
